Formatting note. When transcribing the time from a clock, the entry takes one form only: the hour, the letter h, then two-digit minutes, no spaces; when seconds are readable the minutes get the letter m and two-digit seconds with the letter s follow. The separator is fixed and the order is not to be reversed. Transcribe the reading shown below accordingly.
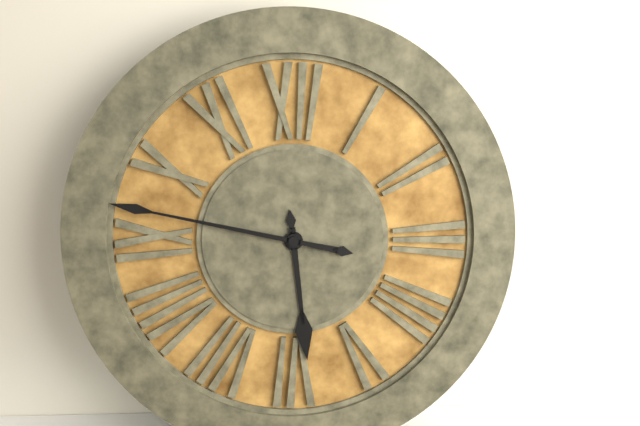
5h47
